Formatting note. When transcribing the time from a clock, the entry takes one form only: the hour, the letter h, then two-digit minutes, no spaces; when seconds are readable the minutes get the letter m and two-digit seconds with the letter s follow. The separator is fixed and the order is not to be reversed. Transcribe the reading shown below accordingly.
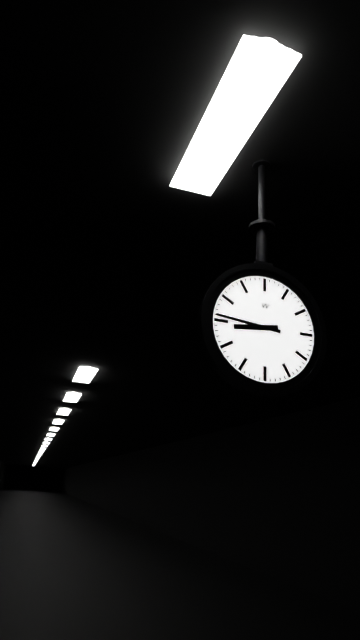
8h46
